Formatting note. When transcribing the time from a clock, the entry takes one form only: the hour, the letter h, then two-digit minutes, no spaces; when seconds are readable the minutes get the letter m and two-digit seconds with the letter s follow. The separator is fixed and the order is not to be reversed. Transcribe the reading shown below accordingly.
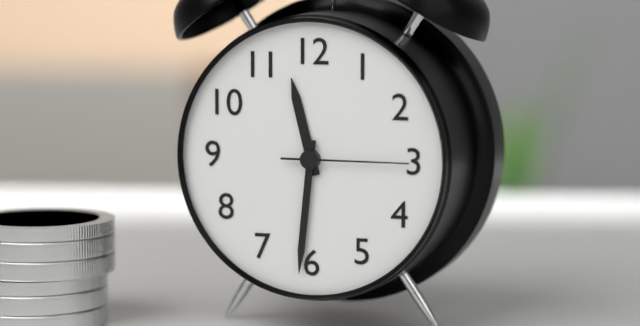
11h31m15s
